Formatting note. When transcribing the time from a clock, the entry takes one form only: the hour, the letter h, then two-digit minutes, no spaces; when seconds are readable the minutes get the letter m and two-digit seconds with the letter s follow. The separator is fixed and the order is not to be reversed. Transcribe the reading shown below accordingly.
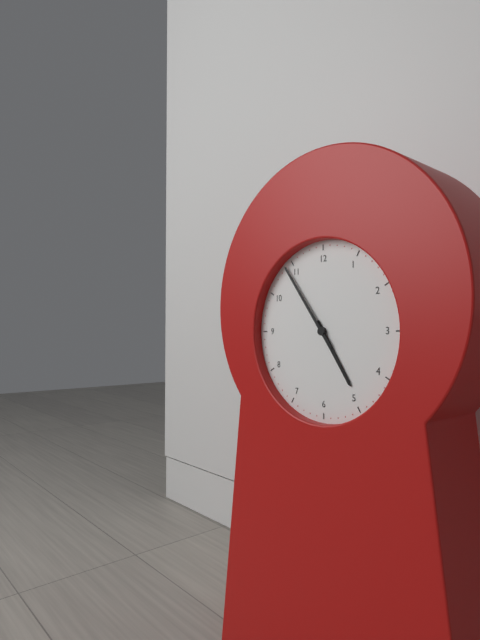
4h54
